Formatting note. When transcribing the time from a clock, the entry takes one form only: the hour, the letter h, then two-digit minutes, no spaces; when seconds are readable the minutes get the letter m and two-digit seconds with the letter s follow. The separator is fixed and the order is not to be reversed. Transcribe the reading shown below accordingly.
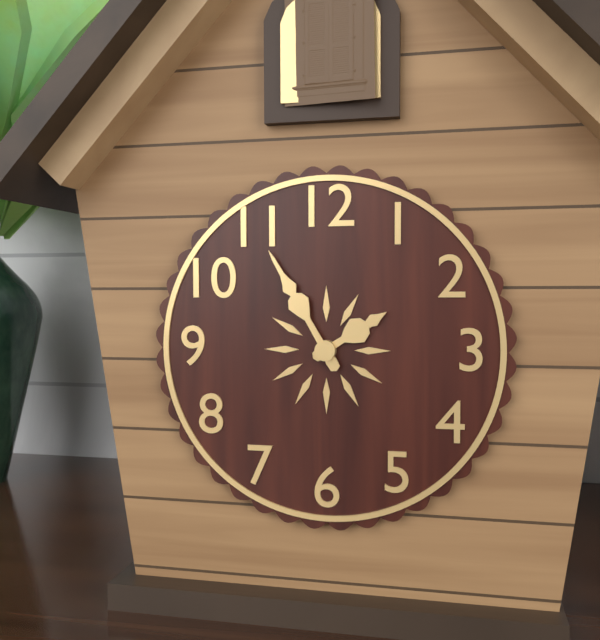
1h55
